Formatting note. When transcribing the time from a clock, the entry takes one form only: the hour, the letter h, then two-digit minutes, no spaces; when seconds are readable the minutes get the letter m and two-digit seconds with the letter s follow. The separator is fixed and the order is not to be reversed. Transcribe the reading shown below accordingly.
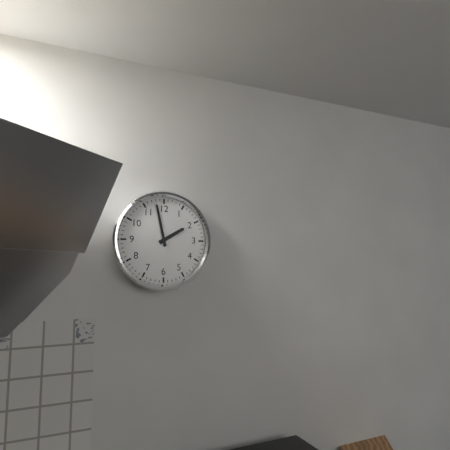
1h58
